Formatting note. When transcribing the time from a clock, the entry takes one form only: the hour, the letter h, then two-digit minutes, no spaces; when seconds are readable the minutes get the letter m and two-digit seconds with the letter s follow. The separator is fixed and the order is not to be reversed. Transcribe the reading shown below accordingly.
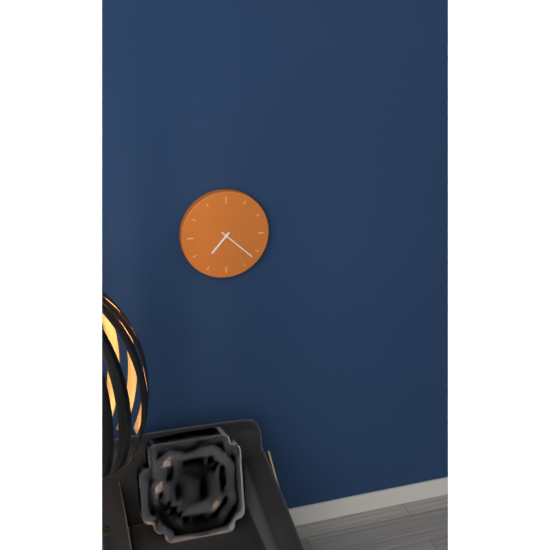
7h22
